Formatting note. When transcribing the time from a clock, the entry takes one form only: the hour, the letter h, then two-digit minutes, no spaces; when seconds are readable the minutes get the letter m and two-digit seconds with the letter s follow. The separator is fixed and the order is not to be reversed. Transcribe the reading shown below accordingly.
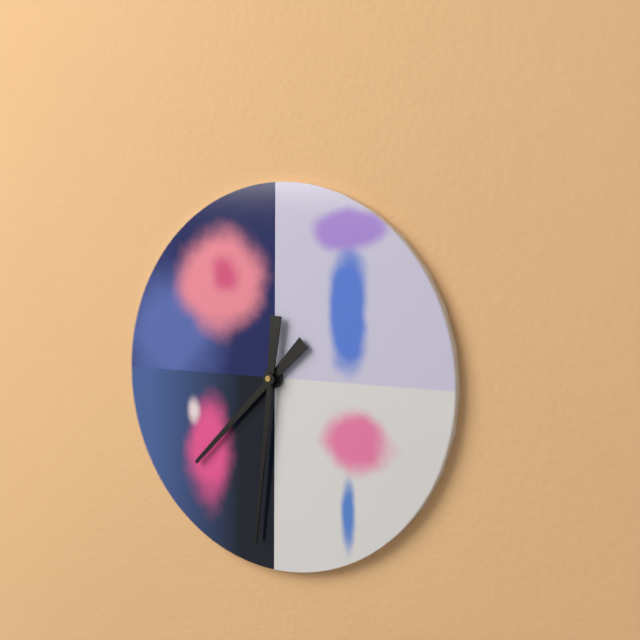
7h31
